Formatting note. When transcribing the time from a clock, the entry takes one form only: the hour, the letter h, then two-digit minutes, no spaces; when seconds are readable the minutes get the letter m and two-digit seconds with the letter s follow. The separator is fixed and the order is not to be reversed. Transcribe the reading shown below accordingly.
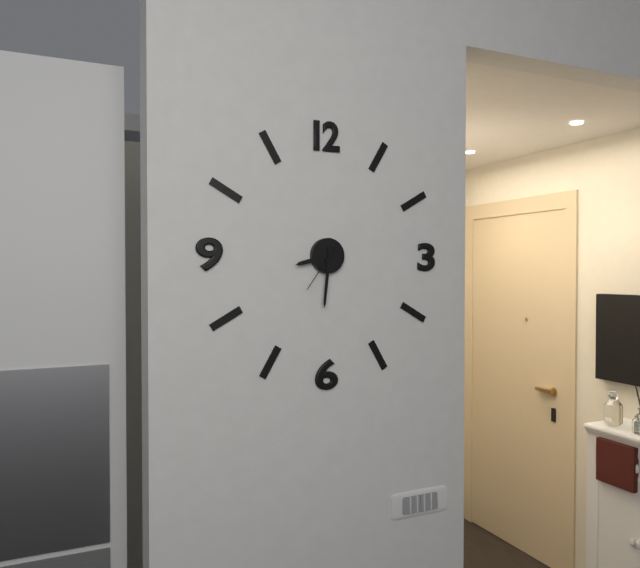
8h31
